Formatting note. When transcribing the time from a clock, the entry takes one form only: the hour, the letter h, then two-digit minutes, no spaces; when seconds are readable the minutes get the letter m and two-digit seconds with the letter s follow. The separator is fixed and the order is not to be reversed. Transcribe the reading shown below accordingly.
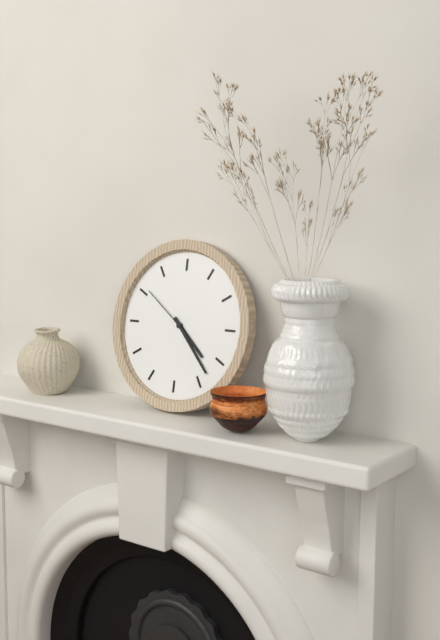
4h23m51s
